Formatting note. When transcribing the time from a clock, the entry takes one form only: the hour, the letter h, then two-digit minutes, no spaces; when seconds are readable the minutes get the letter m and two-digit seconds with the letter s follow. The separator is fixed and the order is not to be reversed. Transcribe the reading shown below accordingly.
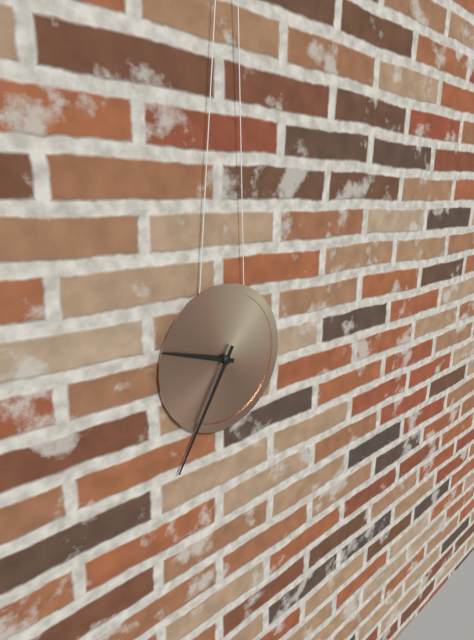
9h35
